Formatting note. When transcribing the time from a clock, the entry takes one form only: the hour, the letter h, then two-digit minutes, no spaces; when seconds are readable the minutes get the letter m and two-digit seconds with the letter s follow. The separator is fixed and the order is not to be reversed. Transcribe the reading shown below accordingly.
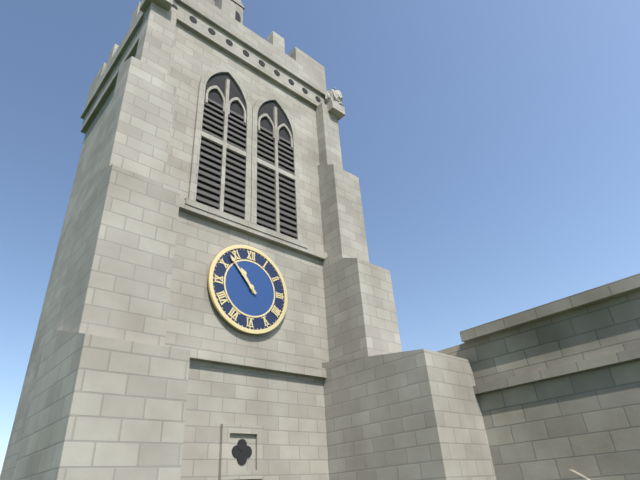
10h53
